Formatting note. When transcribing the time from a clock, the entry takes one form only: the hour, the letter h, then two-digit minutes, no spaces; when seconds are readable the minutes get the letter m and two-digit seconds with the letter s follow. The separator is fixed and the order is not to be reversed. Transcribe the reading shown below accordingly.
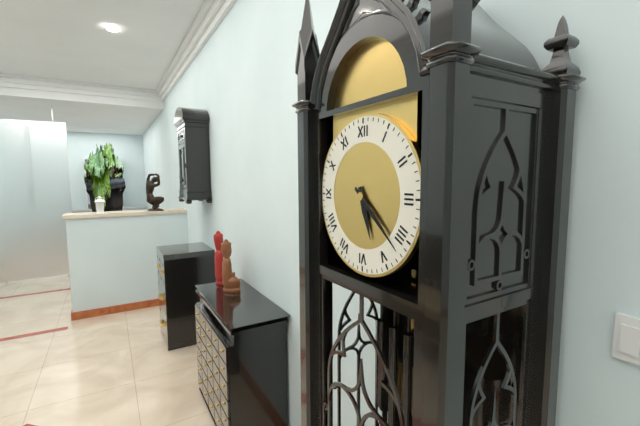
5h22
